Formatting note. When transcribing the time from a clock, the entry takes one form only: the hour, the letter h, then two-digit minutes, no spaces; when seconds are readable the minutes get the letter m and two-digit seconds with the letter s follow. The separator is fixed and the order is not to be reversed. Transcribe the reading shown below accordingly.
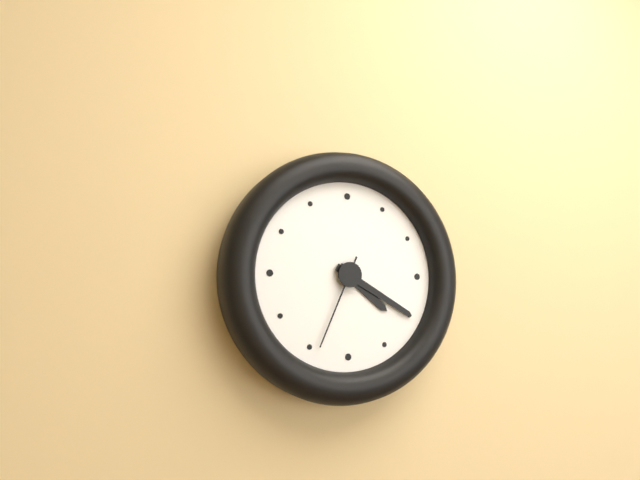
4h20m34s
